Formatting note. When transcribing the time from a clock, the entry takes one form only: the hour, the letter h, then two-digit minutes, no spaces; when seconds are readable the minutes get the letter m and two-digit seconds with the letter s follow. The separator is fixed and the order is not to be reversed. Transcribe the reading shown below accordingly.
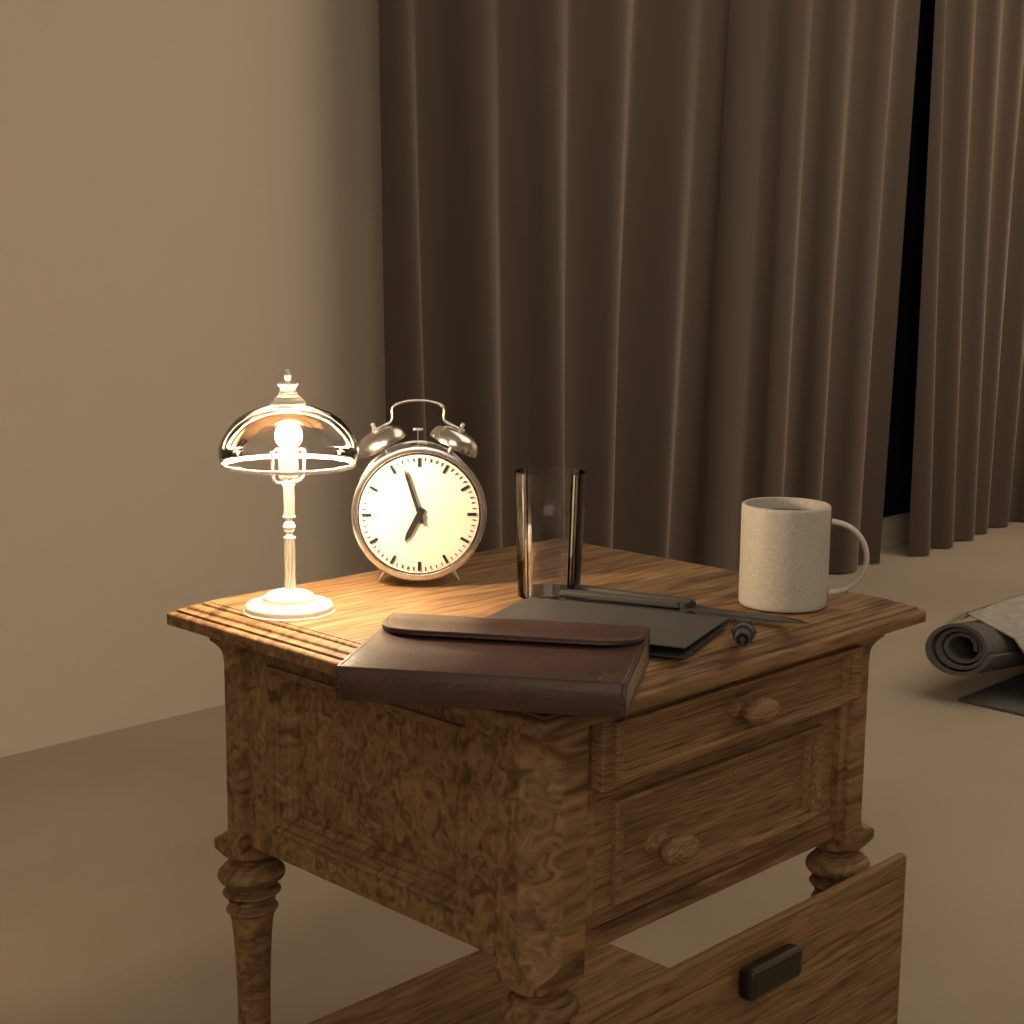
6h57
